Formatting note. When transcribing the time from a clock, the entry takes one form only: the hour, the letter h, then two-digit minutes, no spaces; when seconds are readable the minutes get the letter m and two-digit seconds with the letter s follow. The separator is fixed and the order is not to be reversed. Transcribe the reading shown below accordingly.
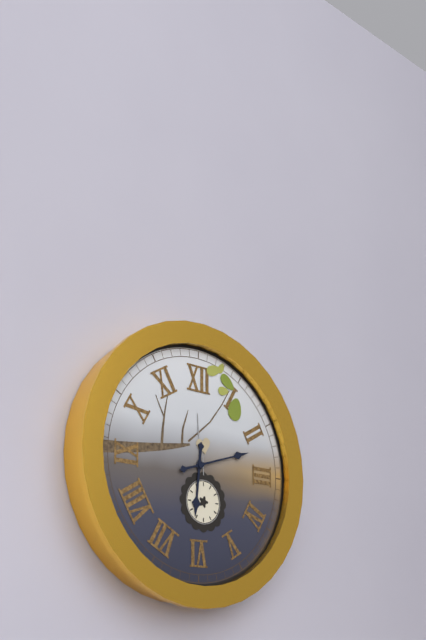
6h12
